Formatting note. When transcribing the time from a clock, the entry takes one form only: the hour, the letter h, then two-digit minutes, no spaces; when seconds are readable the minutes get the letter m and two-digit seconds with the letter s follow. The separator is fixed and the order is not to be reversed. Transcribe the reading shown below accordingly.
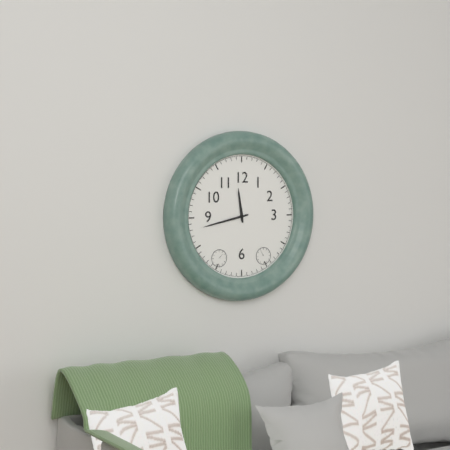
11h43
